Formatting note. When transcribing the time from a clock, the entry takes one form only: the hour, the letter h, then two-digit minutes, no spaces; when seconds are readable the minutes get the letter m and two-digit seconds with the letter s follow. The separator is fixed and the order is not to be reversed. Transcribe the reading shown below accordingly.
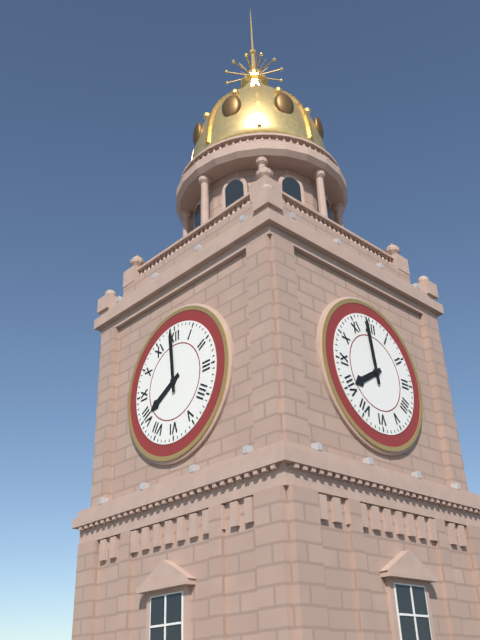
7h59
